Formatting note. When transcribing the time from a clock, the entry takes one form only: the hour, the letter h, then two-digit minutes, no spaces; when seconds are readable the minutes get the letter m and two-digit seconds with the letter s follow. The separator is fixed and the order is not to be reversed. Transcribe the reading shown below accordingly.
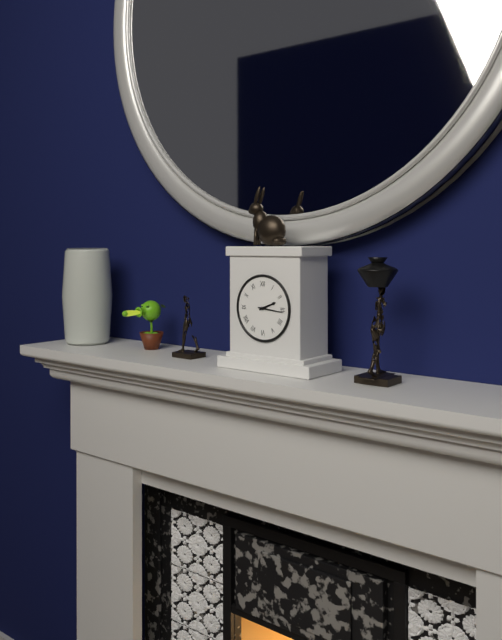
2h16
